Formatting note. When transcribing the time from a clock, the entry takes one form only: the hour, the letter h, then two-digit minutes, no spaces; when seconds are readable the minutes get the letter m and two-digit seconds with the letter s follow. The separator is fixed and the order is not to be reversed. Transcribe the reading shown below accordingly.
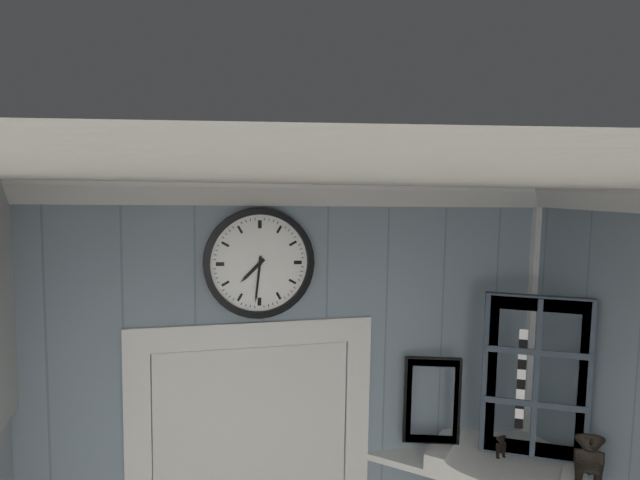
7h31
